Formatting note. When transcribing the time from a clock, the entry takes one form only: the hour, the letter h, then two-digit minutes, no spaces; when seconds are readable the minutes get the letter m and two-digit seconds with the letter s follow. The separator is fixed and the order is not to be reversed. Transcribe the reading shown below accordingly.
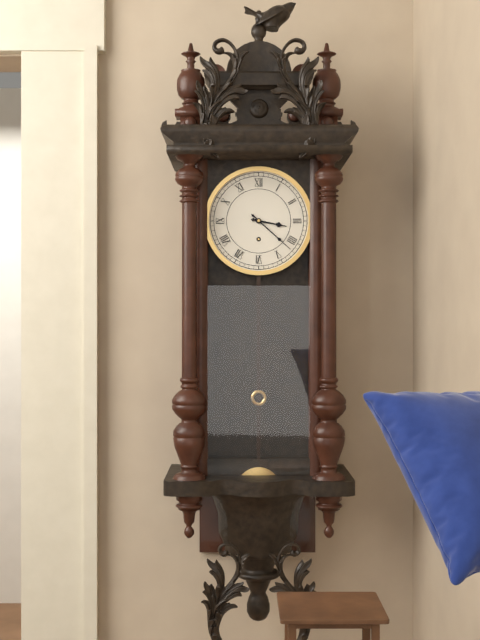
3h22
